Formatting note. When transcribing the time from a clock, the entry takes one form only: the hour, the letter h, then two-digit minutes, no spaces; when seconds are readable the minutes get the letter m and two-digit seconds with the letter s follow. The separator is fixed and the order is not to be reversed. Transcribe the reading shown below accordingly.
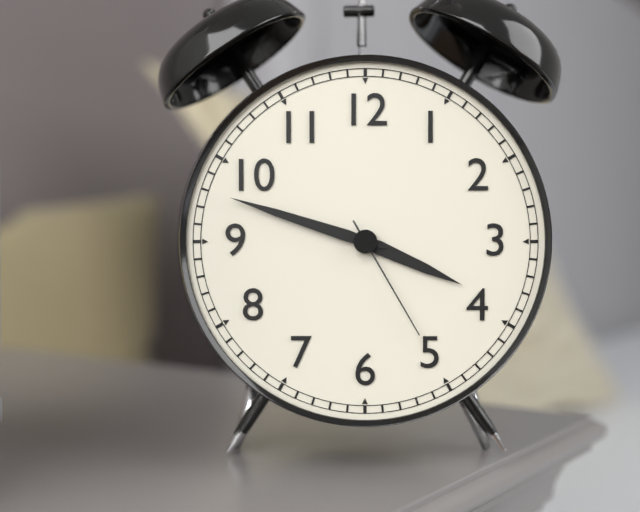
3h48m25s
